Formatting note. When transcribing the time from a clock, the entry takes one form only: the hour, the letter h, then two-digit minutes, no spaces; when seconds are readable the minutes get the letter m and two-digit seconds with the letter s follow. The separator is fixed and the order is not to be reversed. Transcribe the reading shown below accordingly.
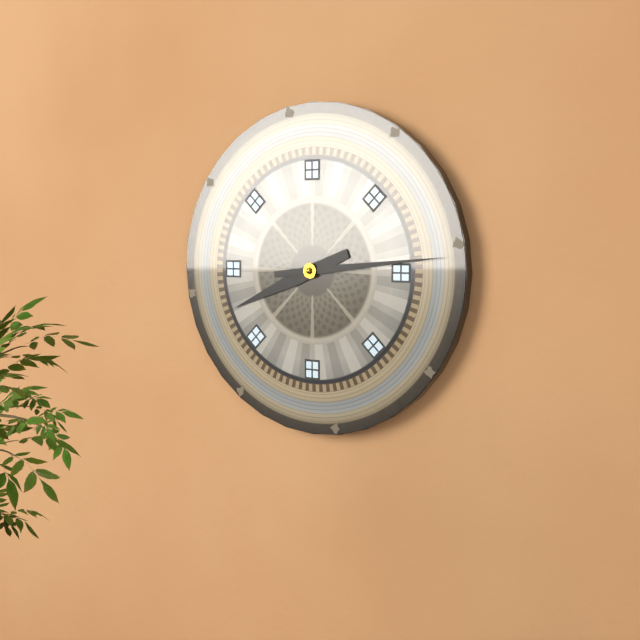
8h14
